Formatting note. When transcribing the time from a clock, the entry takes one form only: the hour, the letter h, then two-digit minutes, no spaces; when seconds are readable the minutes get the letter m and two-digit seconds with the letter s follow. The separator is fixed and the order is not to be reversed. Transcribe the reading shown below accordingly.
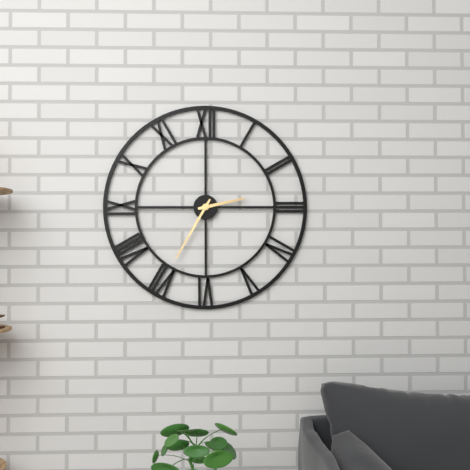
2h35
